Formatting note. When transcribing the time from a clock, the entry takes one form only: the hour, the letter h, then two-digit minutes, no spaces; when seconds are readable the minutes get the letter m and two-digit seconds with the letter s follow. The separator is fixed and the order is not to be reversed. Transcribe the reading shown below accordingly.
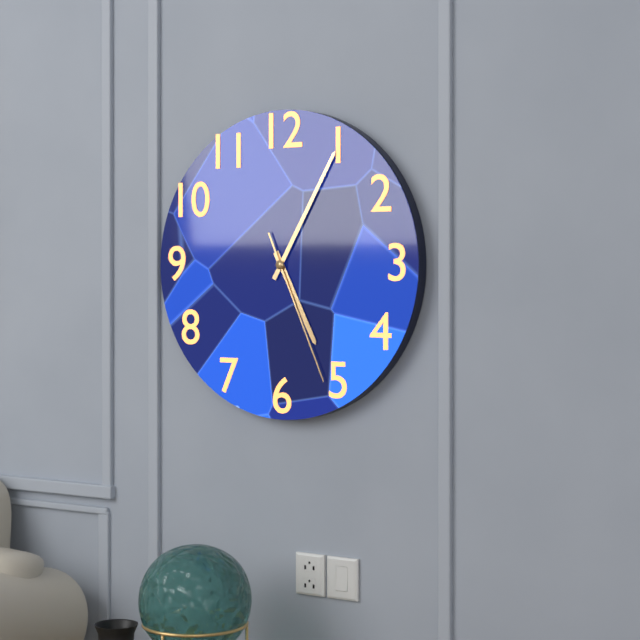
5h05m26s
